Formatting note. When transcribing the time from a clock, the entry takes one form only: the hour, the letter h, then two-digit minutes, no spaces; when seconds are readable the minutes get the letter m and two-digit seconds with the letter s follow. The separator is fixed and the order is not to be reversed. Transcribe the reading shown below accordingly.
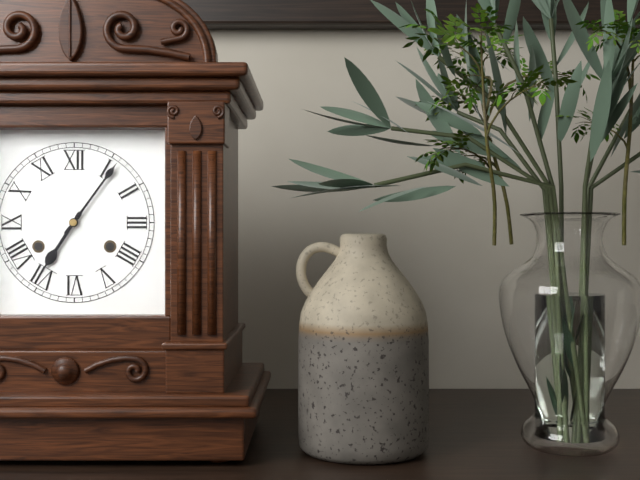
7h06
